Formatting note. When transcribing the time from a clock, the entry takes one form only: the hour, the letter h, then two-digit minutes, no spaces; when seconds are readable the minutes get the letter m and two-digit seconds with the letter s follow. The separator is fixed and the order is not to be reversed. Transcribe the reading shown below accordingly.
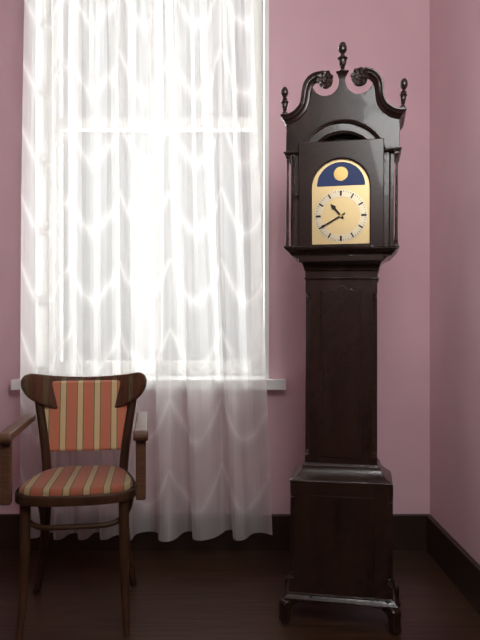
10h40
